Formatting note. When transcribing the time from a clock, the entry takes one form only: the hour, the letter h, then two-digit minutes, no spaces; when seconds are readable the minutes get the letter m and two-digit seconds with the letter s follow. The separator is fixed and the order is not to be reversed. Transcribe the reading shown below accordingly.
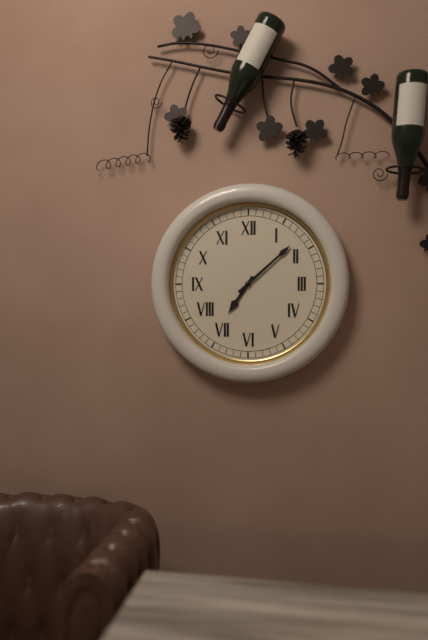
7h08
